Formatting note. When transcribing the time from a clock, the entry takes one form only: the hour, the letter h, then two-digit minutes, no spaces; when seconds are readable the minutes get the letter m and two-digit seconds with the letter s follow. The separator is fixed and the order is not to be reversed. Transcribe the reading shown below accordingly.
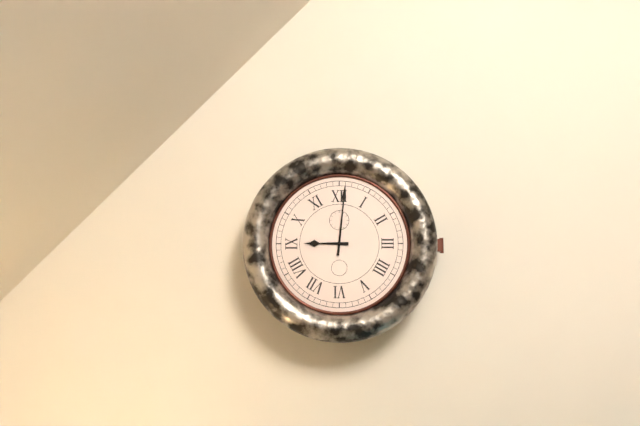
9h01
